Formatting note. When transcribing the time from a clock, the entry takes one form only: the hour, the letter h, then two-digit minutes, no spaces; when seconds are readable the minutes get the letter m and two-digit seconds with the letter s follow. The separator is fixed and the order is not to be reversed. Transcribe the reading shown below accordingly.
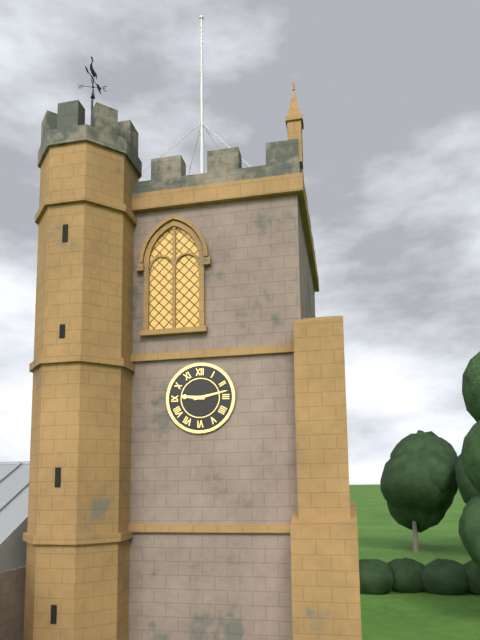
9h13
